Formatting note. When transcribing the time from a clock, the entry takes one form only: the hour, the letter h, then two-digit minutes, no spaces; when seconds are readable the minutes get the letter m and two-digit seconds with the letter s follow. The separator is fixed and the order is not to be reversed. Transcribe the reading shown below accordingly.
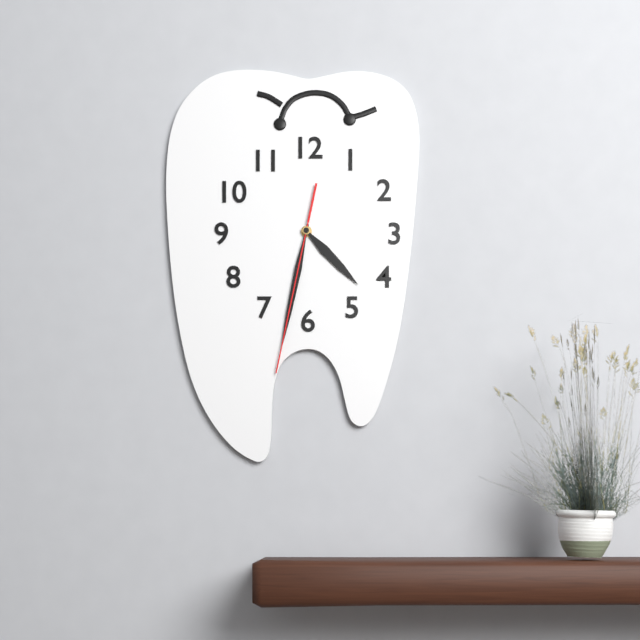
4h32m32s
